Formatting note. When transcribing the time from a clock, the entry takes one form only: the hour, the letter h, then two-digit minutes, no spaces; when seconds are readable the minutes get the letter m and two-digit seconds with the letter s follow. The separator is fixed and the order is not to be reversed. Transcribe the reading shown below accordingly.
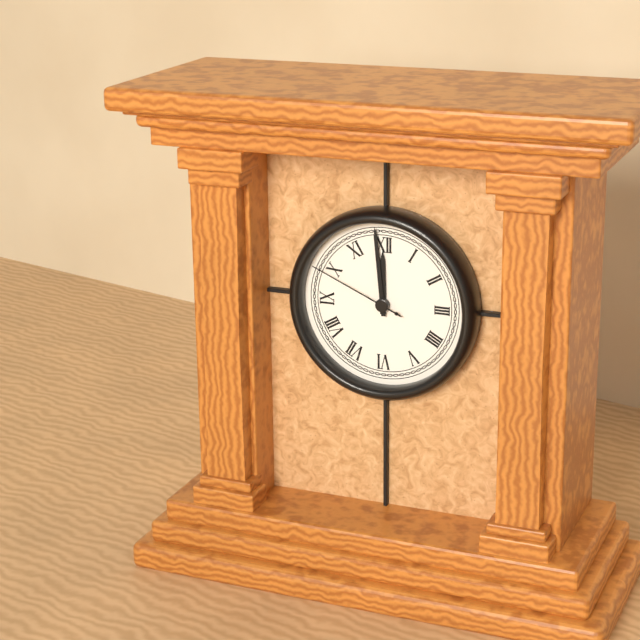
11h59m49s
